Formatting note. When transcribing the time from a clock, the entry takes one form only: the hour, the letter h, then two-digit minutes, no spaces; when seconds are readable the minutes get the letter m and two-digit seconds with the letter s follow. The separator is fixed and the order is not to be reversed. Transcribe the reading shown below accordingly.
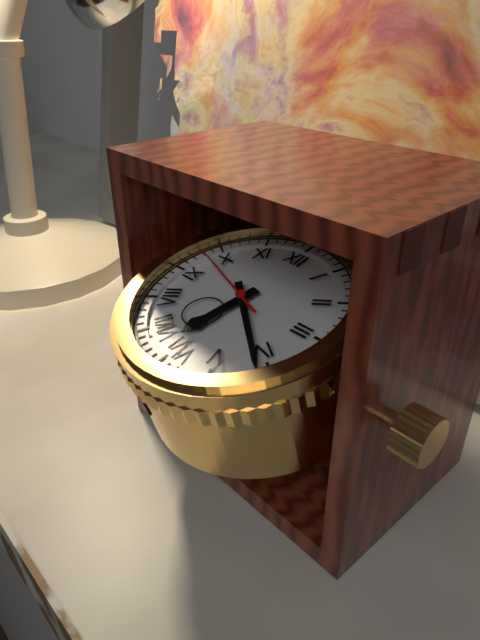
6h21m48s
